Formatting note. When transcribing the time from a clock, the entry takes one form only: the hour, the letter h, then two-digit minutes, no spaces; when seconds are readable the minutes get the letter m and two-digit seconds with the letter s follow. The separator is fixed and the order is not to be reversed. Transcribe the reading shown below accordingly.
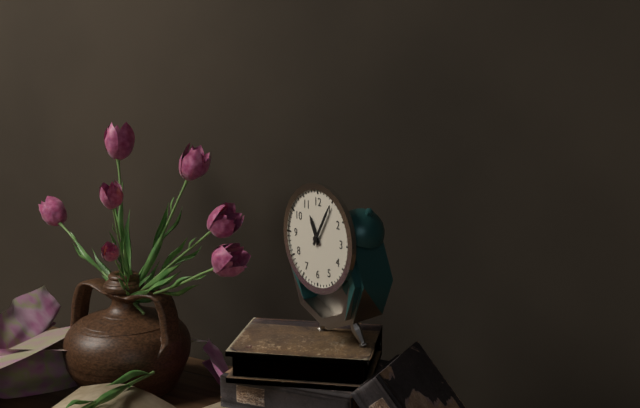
11h05
